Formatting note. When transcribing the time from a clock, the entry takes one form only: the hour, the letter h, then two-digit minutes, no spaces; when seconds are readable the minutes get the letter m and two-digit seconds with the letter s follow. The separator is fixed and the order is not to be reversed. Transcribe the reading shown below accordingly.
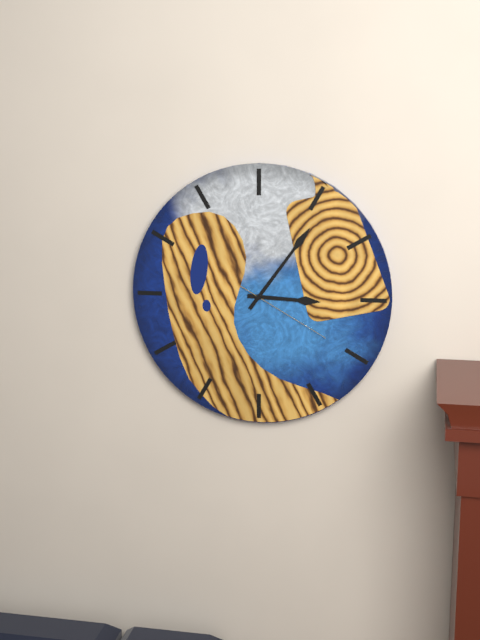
3h06m20s
